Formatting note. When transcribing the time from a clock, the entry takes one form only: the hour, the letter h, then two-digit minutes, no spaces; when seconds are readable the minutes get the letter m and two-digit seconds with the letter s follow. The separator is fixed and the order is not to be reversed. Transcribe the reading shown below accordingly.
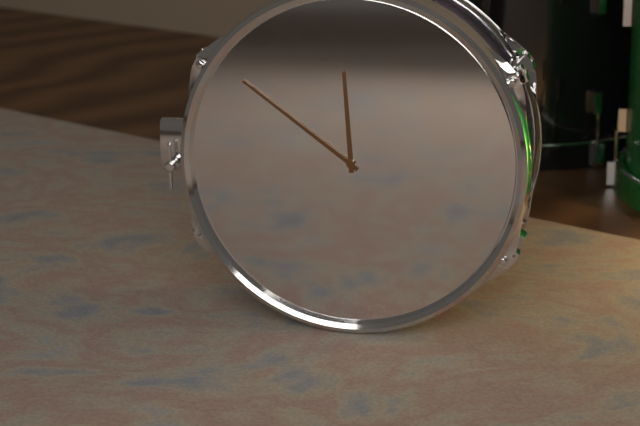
11h51
